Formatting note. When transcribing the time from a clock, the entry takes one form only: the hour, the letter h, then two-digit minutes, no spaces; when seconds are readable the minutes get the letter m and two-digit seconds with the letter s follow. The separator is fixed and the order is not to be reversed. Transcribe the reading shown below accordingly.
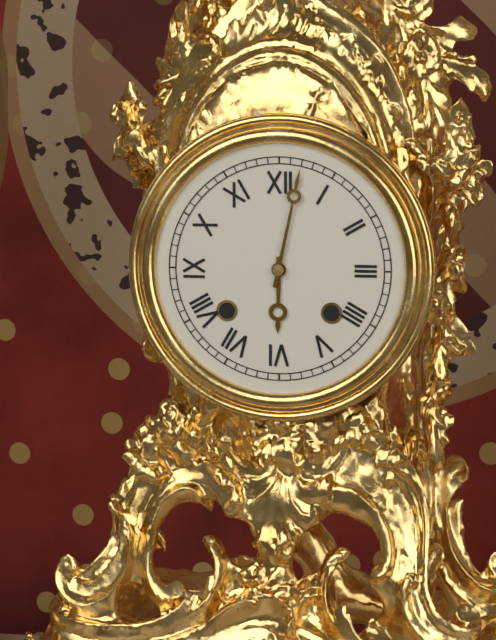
6h02
